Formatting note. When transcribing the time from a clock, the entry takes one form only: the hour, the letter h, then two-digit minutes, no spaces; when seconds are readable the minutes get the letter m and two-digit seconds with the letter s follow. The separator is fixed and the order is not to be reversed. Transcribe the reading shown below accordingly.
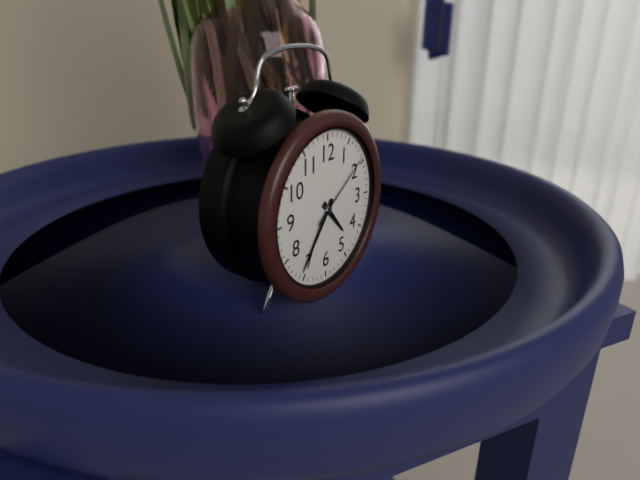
4h36m09s
